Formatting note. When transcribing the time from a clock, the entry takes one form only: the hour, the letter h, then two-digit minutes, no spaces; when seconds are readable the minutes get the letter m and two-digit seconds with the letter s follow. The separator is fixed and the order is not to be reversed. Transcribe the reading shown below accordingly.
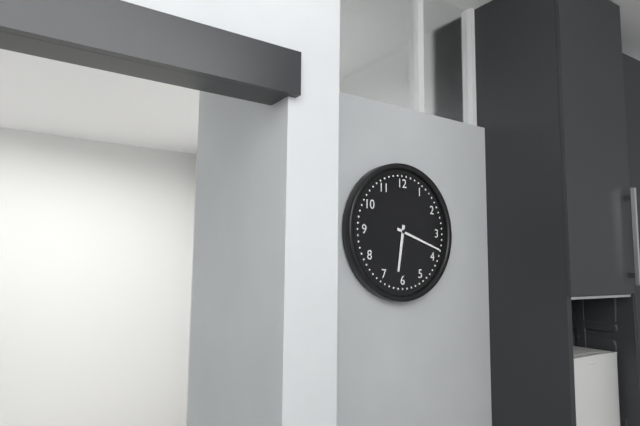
6h18
